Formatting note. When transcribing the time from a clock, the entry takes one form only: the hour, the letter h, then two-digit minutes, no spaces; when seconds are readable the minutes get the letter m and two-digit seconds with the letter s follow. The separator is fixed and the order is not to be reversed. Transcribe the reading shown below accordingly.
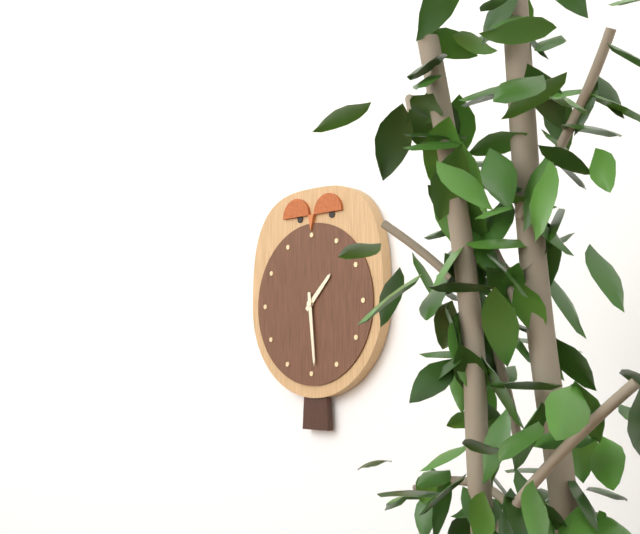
1h29
